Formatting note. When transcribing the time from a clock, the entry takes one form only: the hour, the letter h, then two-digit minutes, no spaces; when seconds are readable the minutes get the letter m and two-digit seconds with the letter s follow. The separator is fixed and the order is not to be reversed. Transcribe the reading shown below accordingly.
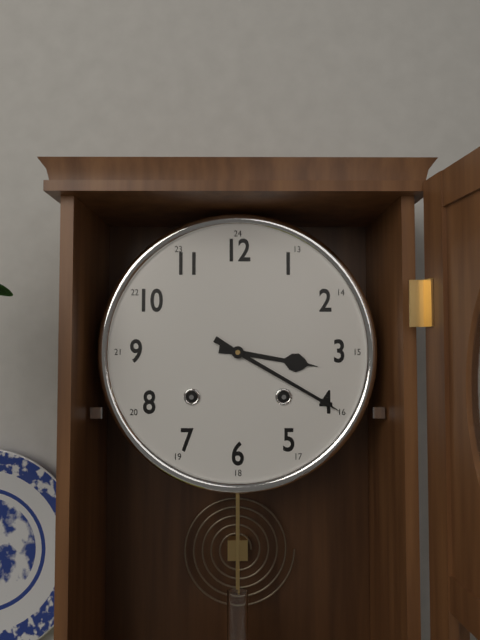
3h20
